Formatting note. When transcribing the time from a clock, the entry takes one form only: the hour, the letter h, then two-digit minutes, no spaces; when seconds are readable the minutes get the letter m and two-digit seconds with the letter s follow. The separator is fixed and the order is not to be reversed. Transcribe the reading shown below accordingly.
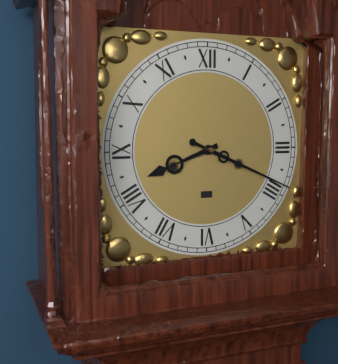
8h19
